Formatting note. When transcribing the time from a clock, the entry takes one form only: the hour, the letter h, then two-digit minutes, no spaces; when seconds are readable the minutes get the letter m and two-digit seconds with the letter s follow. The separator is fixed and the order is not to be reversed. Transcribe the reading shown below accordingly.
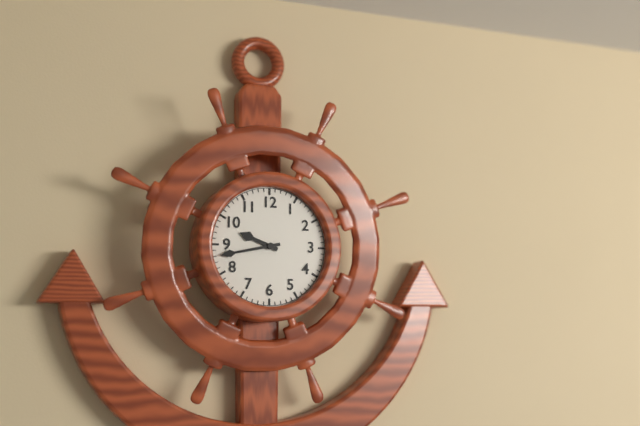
9h43
